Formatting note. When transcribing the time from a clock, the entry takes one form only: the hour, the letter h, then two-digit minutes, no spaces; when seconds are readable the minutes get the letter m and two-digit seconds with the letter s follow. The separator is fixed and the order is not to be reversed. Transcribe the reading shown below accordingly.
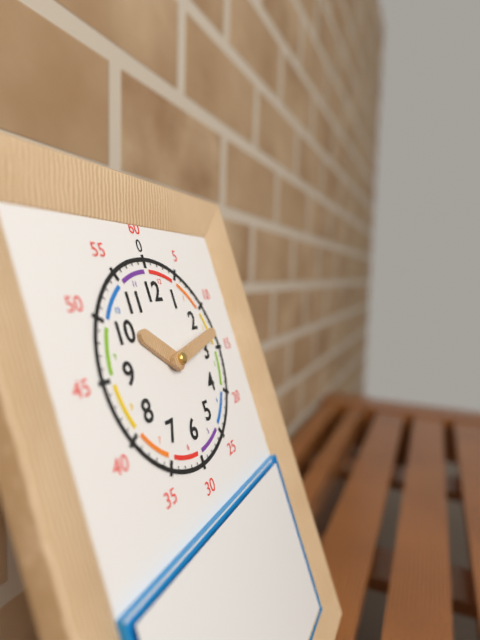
10h13
